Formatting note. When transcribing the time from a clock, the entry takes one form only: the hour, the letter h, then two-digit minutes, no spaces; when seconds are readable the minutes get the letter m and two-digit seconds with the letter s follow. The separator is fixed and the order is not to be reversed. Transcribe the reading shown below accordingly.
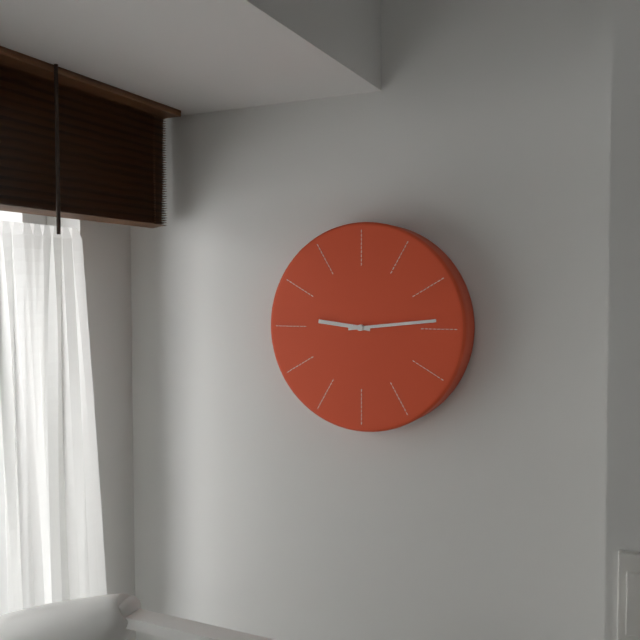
9h14
